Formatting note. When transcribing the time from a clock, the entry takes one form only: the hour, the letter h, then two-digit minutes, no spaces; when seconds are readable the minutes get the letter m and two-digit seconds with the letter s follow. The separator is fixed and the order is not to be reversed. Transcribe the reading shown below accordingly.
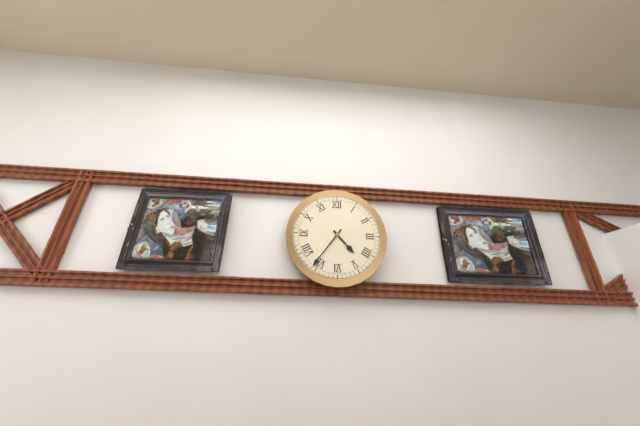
4h36
